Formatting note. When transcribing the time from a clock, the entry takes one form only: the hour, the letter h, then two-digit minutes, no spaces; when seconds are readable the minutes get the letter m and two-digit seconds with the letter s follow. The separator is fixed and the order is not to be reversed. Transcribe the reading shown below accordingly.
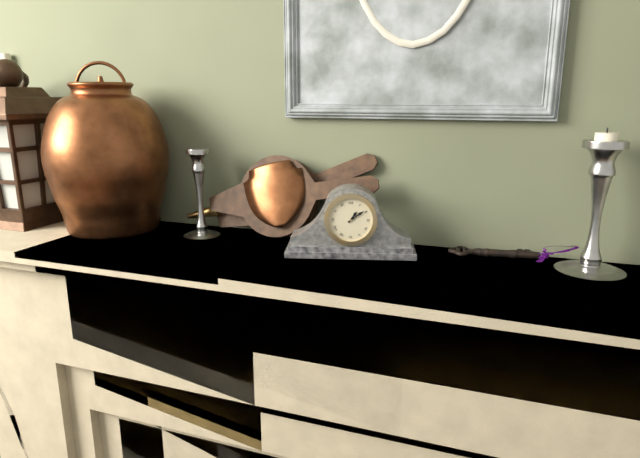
1h09
